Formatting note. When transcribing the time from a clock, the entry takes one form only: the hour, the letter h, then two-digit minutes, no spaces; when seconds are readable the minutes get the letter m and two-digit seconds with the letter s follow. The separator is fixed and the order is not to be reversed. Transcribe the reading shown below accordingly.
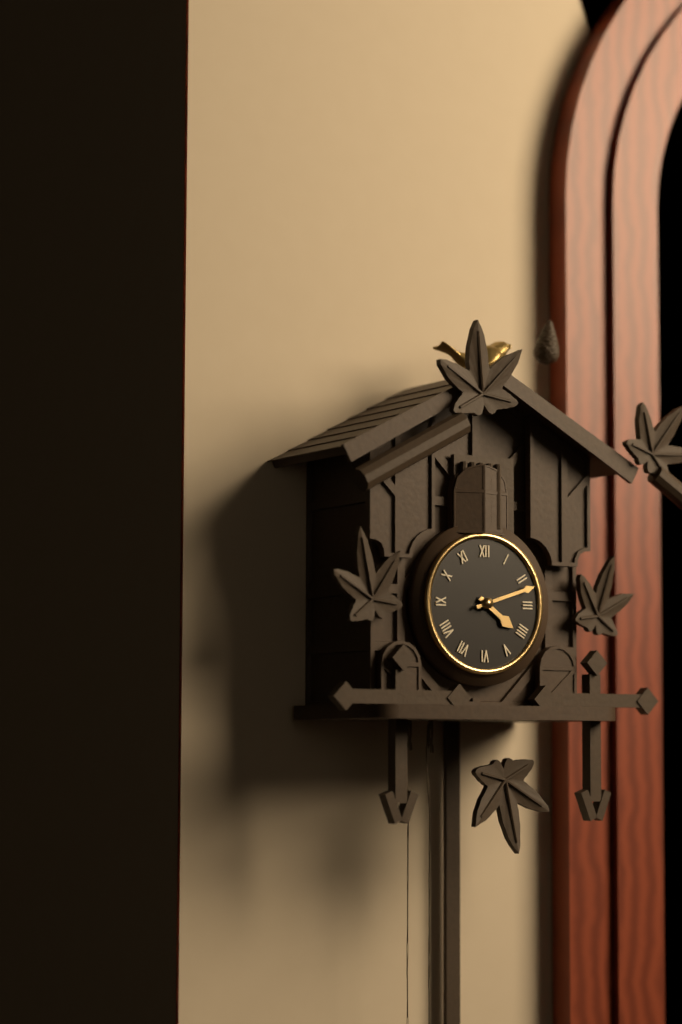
4h12
